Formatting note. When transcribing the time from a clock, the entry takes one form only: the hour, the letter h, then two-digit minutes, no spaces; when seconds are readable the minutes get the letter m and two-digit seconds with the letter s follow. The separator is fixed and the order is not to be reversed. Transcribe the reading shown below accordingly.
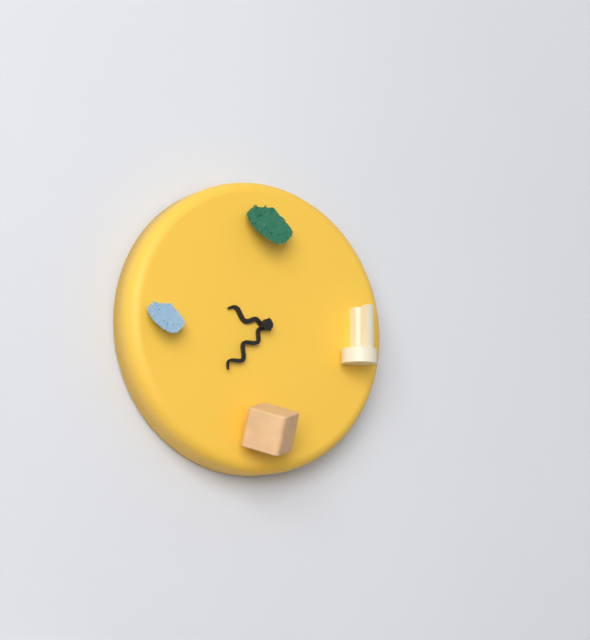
9h37
